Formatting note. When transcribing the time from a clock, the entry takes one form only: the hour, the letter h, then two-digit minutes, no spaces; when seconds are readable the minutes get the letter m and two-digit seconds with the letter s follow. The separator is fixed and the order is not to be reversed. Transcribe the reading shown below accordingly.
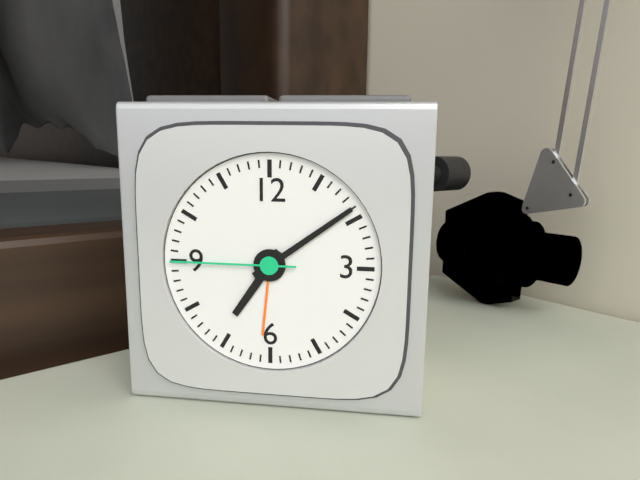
7h09m45s
